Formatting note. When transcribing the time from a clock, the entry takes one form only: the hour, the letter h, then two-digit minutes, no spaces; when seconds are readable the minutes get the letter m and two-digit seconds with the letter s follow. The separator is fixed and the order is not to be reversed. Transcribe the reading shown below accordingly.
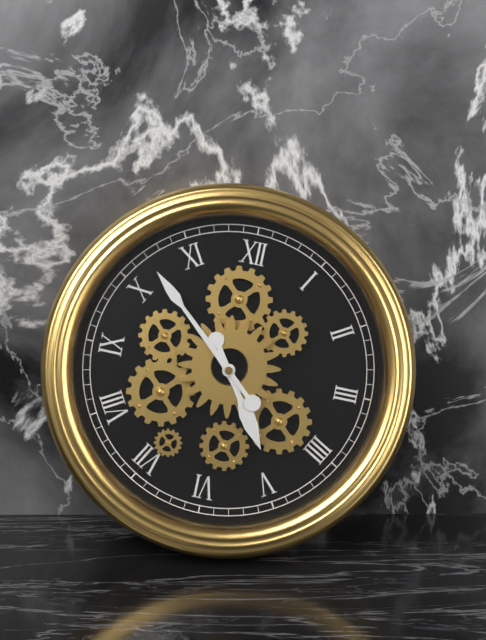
4h52
